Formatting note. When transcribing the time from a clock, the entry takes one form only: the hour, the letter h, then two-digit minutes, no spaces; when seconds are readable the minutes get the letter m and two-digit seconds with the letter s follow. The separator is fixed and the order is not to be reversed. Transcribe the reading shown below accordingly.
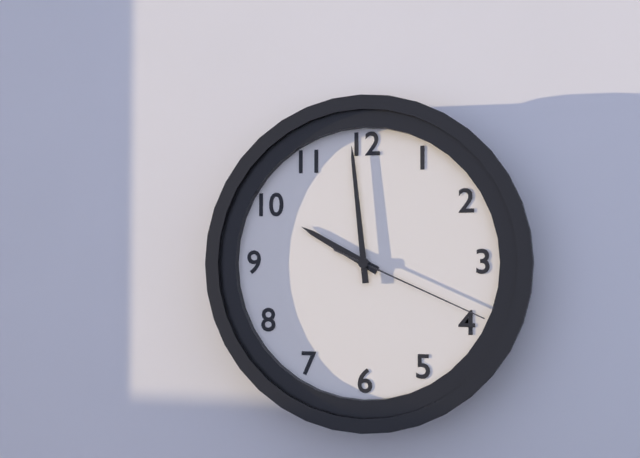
9h59m19s
